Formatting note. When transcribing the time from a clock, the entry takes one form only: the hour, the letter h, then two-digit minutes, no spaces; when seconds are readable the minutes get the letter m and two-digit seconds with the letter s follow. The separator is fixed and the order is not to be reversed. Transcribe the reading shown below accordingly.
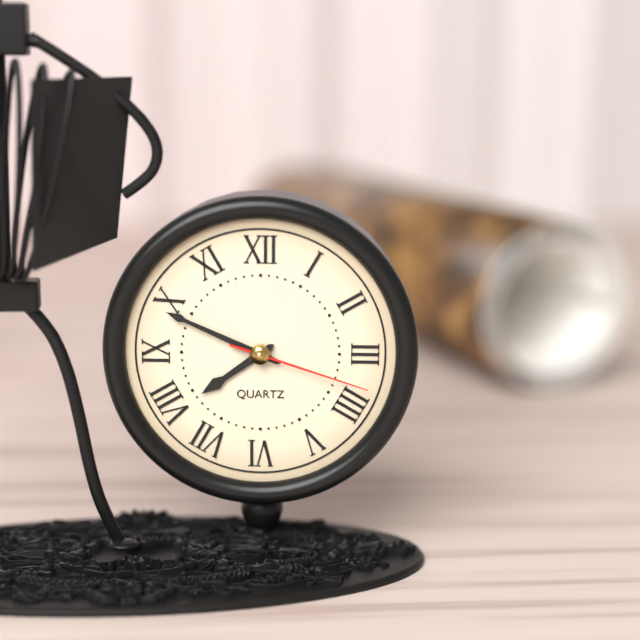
7h49m18s
